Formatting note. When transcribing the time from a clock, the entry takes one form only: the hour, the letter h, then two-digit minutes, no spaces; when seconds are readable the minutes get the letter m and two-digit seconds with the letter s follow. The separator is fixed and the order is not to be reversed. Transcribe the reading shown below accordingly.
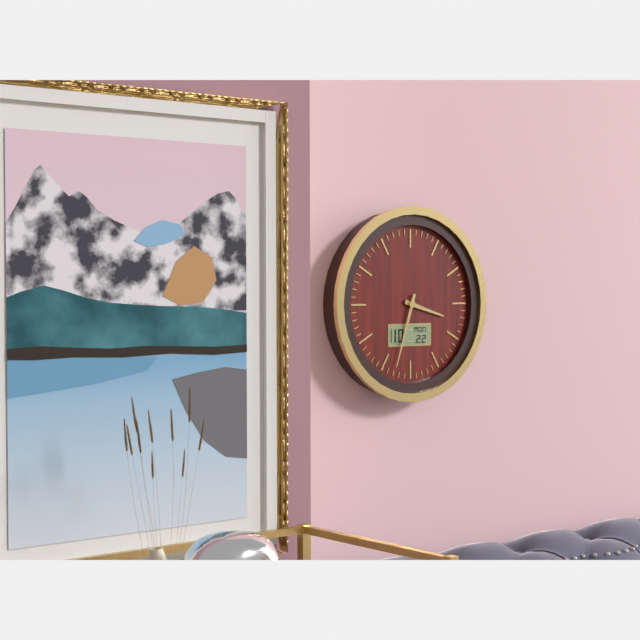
3h33
